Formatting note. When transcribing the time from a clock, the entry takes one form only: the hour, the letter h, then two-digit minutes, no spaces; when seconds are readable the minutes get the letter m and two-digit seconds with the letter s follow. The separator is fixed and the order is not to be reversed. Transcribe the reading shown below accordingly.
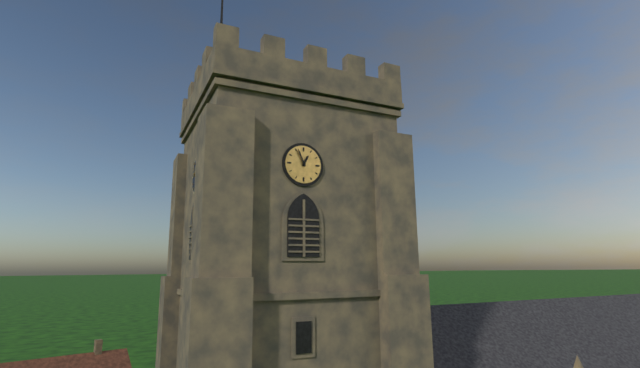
12h56
